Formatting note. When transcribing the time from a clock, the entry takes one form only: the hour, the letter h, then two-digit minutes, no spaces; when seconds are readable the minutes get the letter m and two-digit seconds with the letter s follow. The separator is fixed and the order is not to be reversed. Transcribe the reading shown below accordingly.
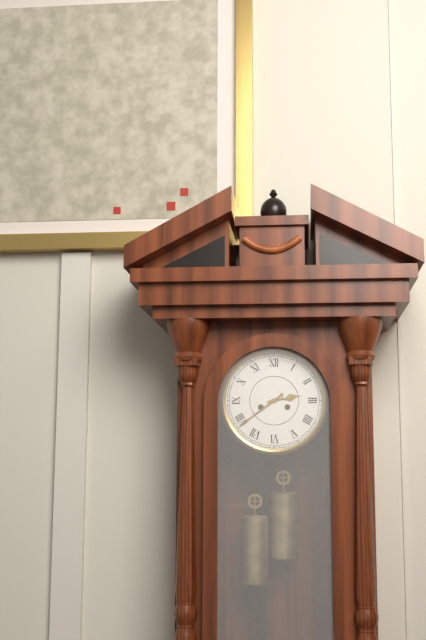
2h39
